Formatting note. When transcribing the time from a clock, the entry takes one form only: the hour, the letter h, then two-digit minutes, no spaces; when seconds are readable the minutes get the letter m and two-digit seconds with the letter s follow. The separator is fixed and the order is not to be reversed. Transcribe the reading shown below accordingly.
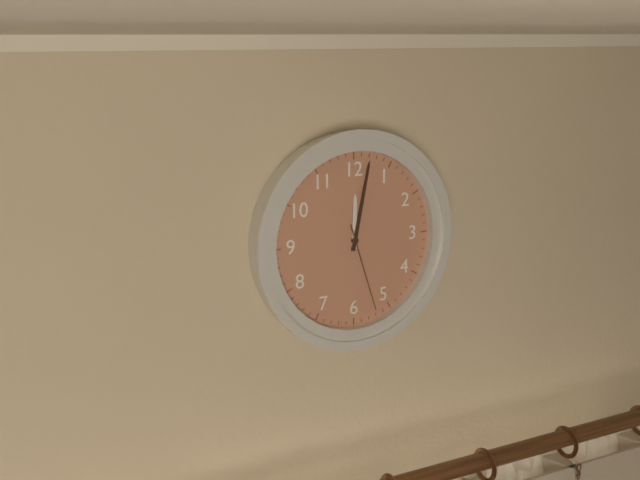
12h02m27s
